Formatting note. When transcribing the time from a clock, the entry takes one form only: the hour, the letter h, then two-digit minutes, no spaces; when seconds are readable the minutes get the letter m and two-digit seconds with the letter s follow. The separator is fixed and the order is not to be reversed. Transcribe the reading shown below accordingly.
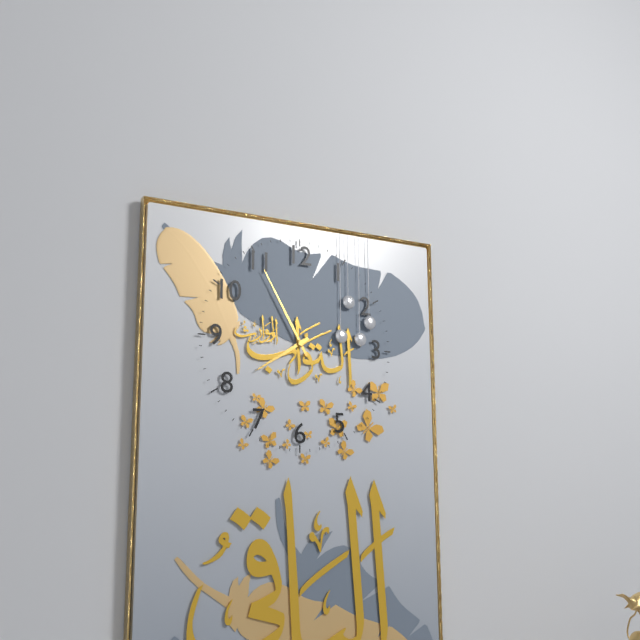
7h55
